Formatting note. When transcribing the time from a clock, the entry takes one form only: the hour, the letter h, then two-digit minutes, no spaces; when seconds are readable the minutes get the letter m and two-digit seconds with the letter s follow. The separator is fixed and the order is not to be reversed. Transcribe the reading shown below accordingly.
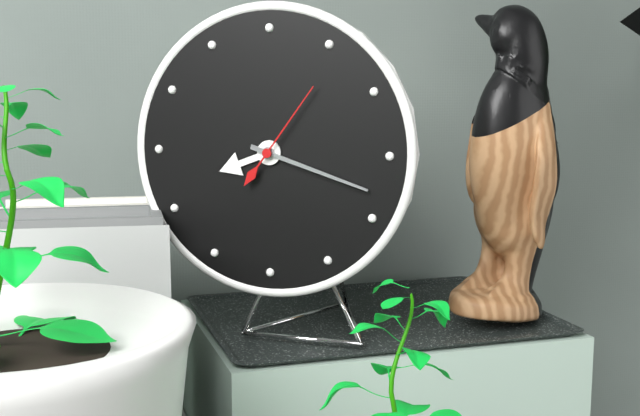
8h18m06s
